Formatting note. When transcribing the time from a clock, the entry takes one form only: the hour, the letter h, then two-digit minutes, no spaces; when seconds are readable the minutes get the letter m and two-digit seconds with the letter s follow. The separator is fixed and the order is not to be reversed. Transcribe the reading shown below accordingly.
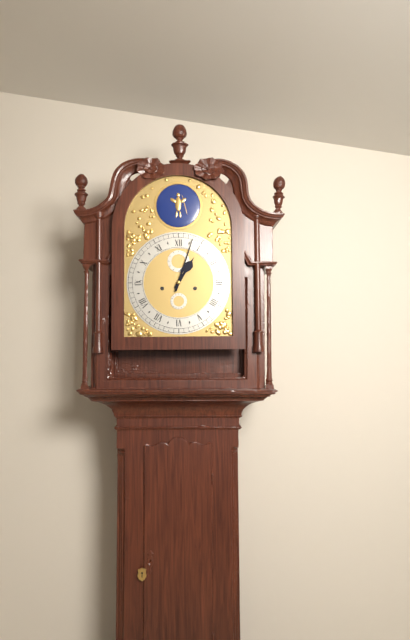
1h03
